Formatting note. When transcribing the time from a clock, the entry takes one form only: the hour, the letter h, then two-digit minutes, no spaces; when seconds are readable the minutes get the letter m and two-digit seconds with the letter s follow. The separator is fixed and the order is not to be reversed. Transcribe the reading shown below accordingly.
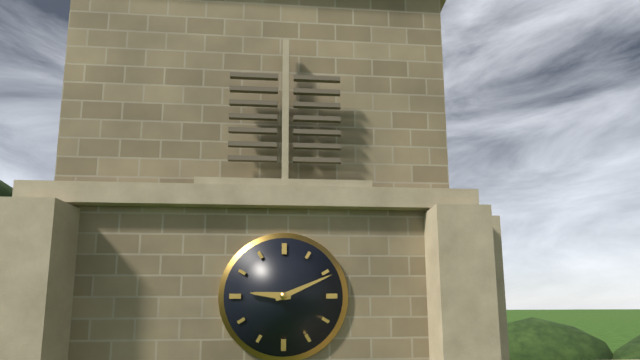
9h11
